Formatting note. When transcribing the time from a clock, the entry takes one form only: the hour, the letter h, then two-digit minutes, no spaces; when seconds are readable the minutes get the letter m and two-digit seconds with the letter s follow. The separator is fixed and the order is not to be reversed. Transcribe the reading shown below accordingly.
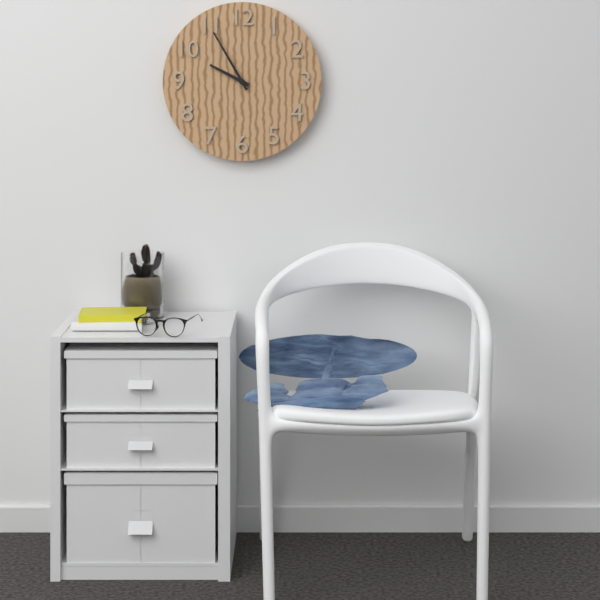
9h55
